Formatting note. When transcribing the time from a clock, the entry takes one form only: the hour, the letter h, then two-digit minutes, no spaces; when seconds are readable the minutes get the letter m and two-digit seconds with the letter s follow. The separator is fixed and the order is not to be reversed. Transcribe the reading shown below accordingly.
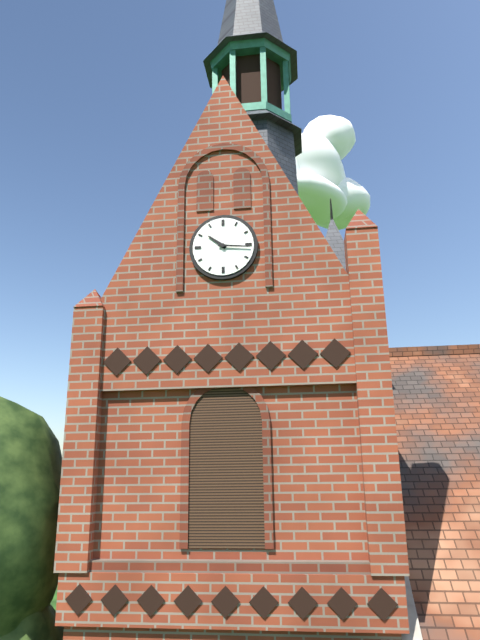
10h16
